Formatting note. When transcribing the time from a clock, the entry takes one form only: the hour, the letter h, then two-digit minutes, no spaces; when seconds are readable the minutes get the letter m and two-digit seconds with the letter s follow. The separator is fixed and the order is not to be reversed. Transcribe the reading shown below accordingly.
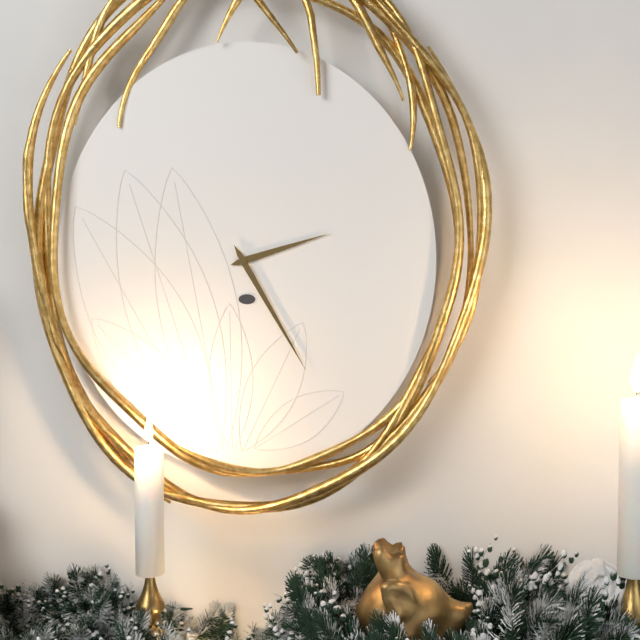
2h25
